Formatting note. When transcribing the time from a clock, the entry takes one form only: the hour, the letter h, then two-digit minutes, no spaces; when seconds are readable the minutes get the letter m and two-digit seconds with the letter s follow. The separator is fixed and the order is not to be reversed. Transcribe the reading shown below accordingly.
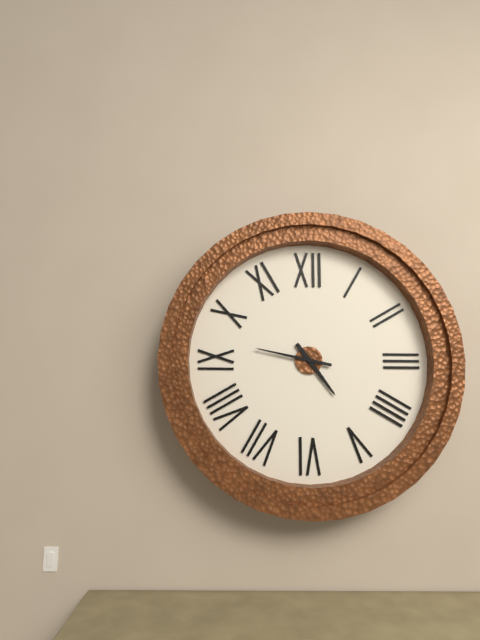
4h47
